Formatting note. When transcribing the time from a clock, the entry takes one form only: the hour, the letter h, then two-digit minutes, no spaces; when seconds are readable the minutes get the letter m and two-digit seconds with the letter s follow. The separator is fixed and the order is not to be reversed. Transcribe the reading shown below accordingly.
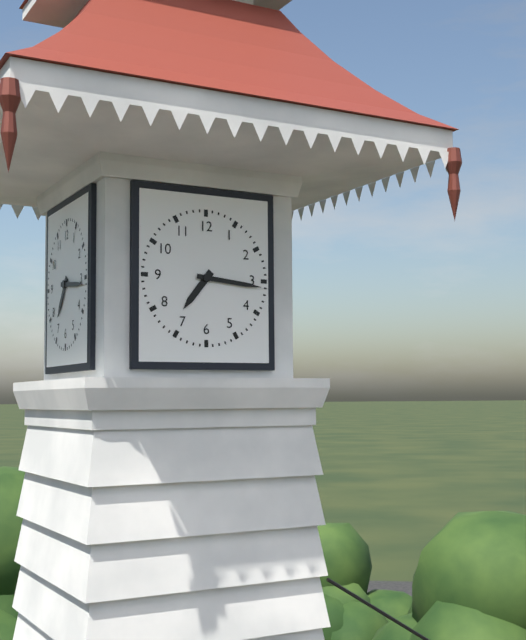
7h16
